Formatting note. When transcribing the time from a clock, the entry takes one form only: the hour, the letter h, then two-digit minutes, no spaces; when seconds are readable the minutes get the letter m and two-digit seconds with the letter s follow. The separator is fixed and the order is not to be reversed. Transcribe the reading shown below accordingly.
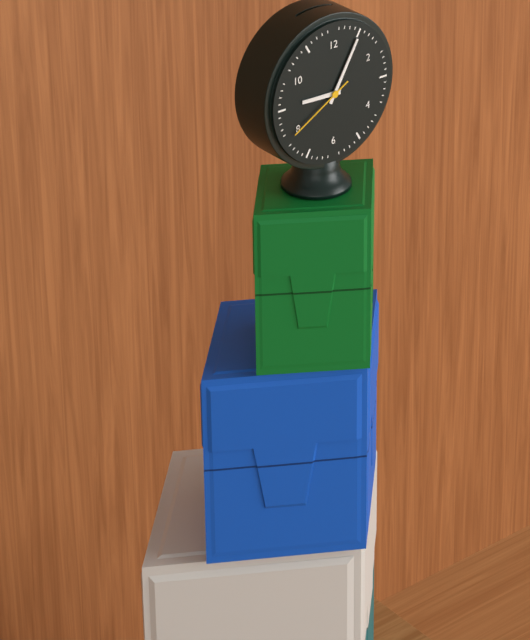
9h05m40s
